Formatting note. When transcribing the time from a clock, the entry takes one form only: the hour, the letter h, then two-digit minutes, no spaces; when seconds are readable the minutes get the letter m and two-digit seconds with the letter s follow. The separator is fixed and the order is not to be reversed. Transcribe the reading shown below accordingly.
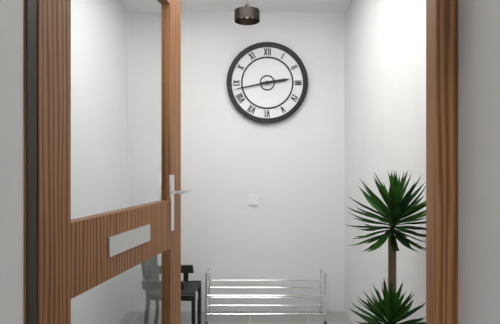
2h43
